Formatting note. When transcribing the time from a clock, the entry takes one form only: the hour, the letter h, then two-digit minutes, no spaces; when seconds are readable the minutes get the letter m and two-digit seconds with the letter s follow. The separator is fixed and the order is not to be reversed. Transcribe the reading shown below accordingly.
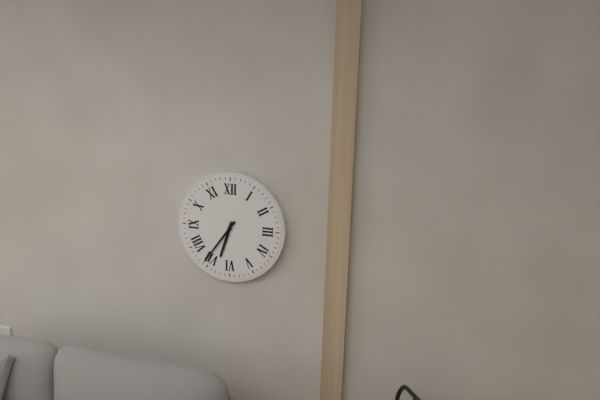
6h36
